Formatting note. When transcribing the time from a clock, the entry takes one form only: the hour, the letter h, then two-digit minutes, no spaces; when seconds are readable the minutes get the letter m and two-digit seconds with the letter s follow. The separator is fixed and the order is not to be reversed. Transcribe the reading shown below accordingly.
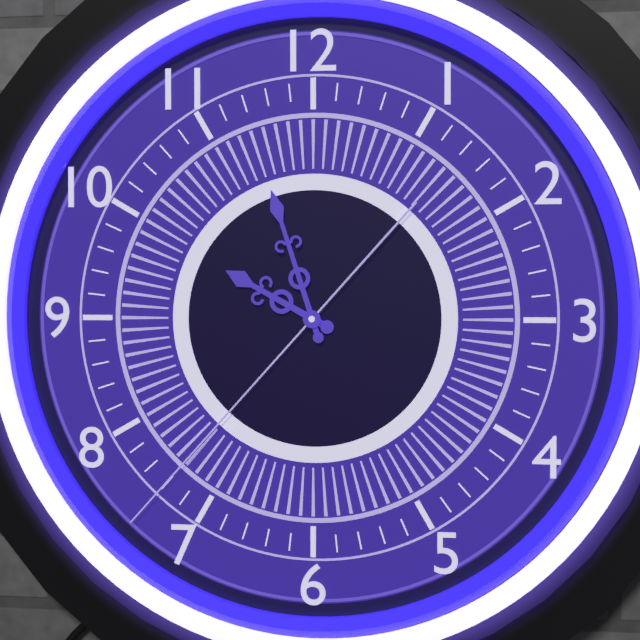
9h57m37s
